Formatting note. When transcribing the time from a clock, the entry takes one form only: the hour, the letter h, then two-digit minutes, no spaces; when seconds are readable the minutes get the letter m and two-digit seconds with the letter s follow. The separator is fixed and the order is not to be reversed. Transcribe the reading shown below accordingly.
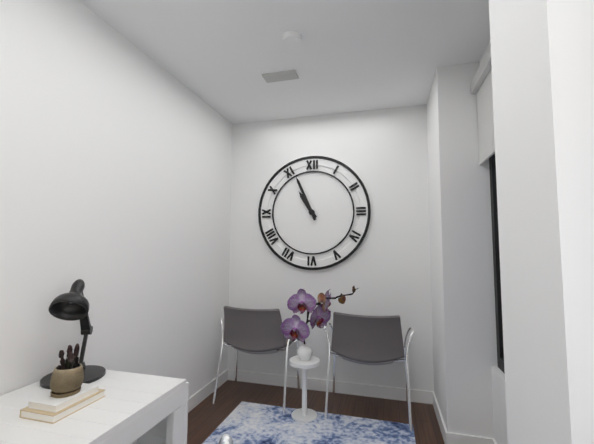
10h56
